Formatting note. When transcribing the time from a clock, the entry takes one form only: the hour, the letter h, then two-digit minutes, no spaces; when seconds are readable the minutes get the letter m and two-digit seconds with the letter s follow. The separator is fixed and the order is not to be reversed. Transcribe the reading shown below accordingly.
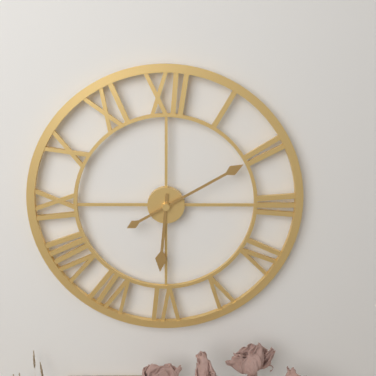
6h10
